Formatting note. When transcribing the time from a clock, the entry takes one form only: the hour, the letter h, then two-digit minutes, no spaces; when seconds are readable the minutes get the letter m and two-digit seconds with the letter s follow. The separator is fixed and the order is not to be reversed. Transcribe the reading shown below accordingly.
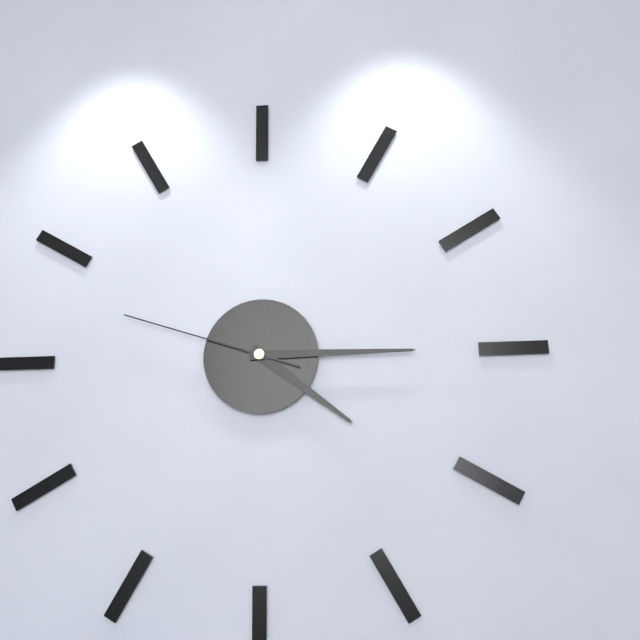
4h15m48s
